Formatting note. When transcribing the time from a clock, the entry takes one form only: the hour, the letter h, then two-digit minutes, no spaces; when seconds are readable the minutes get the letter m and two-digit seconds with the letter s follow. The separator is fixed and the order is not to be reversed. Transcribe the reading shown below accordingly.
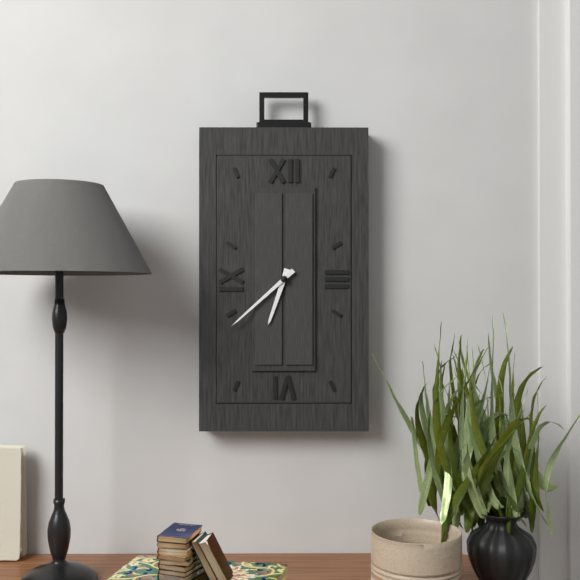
6h38
